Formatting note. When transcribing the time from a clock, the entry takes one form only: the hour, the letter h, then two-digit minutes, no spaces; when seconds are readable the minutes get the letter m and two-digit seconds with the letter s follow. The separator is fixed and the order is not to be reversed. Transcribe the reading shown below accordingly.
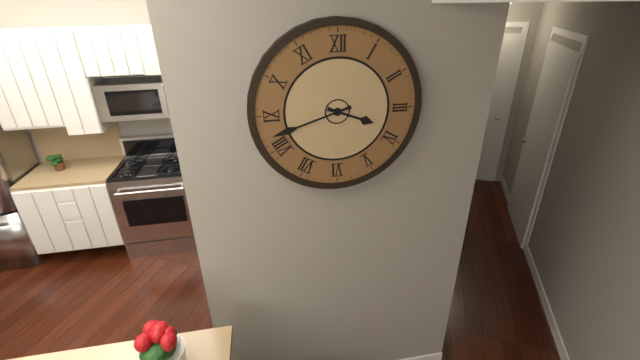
3h42
